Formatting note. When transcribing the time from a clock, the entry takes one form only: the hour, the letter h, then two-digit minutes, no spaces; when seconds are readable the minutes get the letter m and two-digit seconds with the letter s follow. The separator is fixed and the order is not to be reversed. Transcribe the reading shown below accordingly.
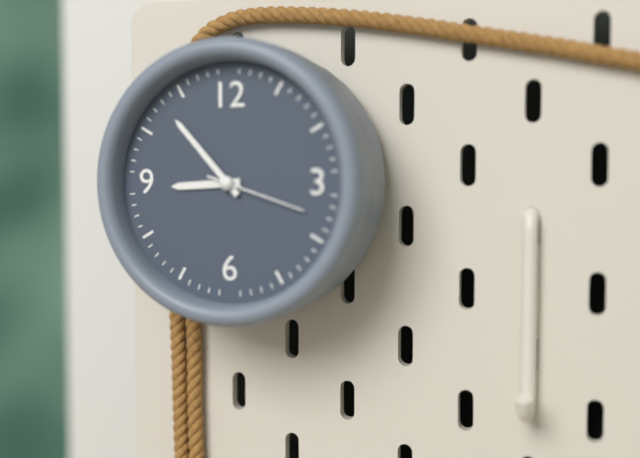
8h53m18s
